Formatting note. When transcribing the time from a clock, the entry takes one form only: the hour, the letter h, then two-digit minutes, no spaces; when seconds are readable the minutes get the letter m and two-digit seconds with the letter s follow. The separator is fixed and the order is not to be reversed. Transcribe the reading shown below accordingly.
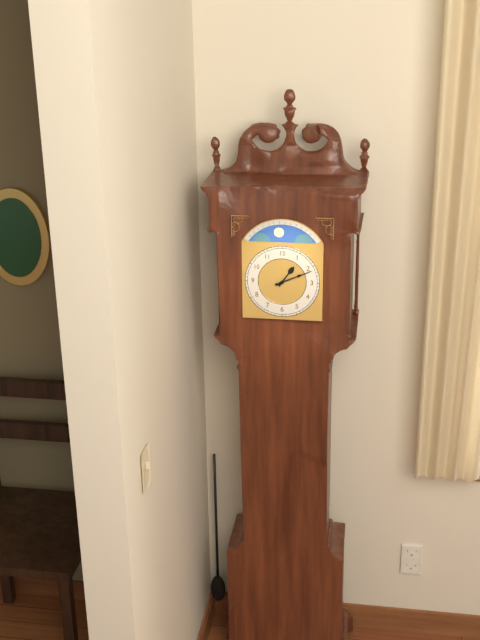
1h11
